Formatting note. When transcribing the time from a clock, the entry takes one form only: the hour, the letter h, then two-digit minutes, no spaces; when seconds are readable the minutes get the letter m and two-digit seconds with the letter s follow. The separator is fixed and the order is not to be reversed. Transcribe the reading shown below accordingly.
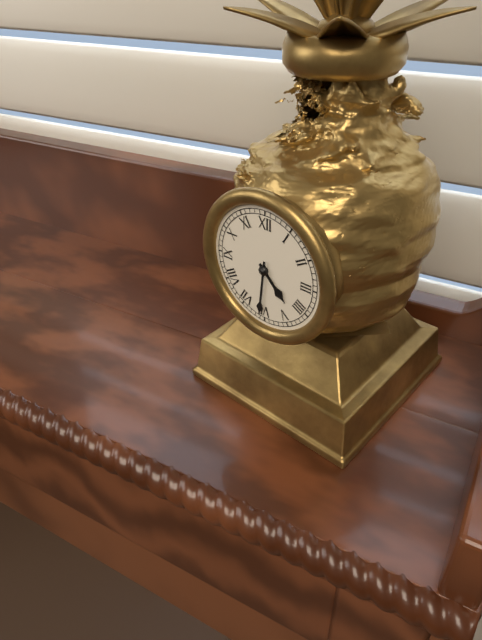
4h31
